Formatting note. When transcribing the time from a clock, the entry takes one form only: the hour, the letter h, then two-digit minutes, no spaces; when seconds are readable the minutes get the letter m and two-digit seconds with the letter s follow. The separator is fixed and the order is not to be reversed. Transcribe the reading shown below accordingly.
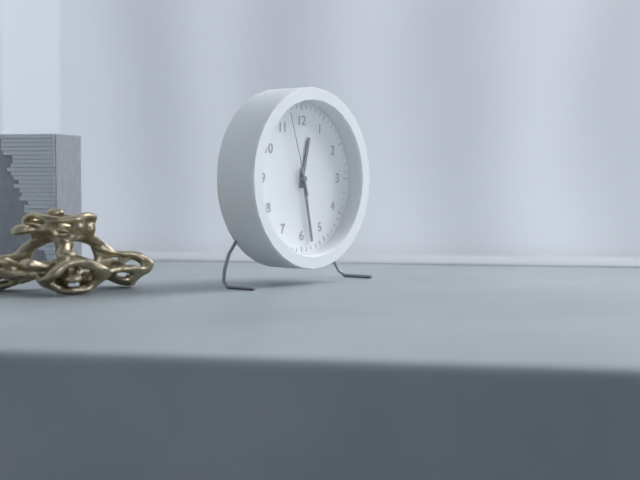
12h28m57s
